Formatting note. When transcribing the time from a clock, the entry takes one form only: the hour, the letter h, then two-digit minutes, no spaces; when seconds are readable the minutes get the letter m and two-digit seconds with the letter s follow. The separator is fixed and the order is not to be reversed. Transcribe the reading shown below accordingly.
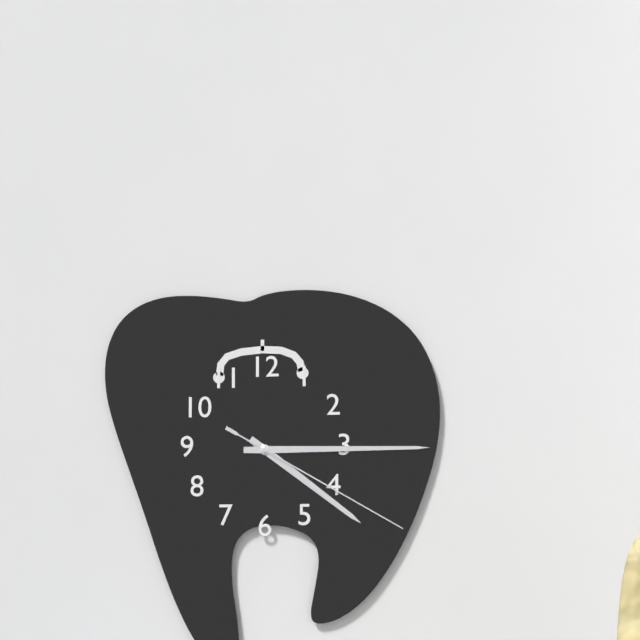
4h15m20s
